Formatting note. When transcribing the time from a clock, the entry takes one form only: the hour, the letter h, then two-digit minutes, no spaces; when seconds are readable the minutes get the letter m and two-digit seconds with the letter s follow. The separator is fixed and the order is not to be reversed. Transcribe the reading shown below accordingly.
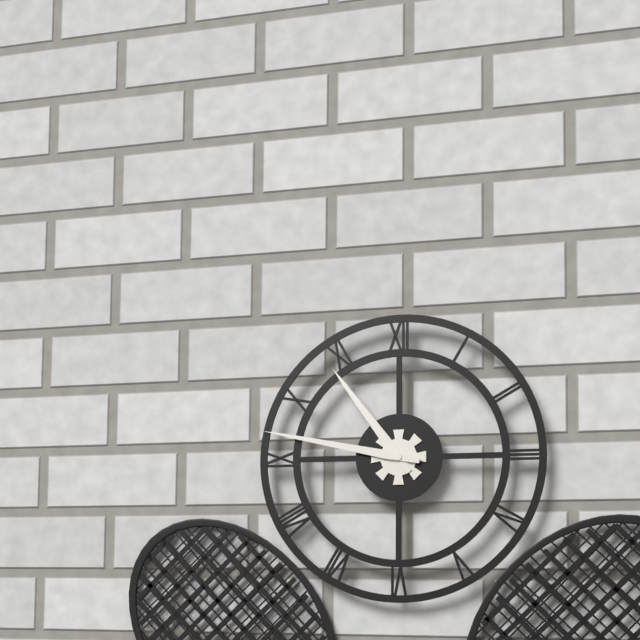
10h47
